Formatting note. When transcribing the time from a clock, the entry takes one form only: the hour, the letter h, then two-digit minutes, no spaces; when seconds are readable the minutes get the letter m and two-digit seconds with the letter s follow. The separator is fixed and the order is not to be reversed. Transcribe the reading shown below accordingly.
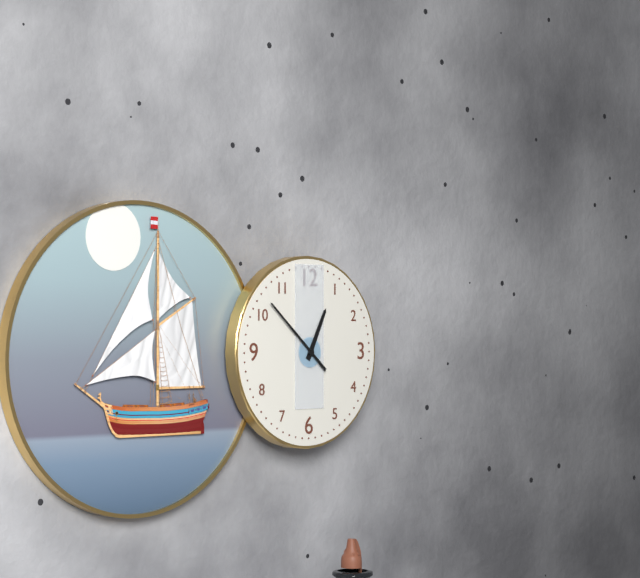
12h52
